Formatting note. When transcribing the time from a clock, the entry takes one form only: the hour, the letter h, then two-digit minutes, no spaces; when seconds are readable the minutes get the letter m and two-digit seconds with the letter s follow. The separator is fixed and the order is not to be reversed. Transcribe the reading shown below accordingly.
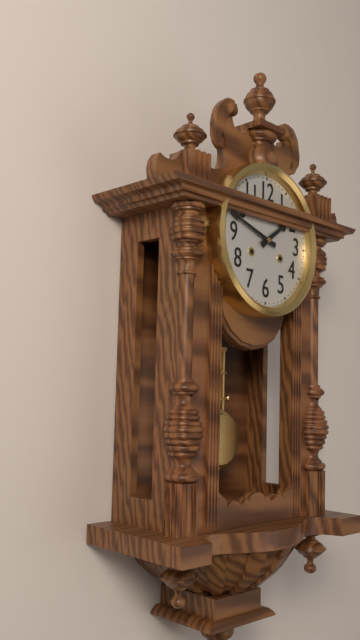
1h48
